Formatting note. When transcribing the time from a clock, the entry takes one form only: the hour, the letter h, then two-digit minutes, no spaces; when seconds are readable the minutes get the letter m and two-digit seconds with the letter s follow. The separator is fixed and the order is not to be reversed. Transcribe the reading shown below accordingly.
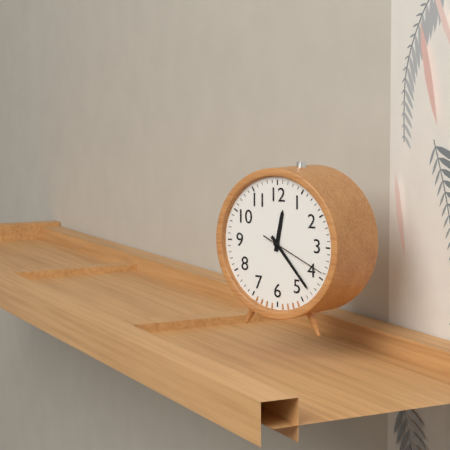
12h23m19s
